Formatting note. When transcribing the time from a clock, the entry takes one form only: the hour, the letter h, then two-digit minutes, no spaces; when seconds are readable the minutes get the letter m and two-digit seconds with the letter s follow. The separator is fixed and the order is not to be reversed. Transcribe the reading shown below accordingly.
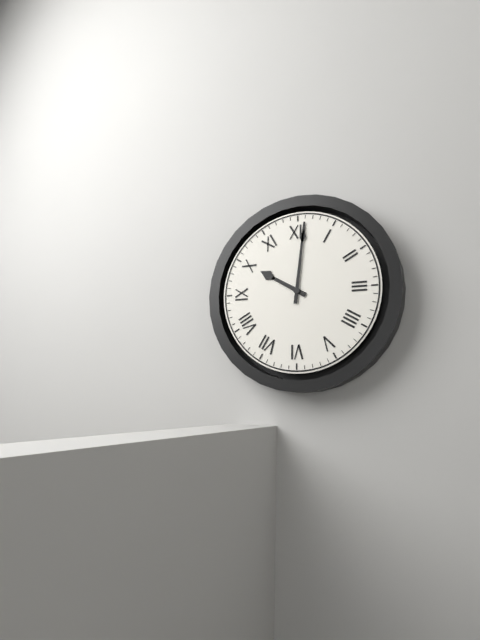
10h01
